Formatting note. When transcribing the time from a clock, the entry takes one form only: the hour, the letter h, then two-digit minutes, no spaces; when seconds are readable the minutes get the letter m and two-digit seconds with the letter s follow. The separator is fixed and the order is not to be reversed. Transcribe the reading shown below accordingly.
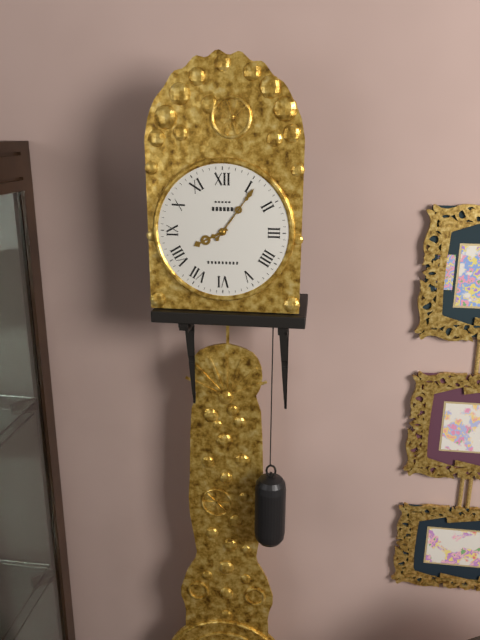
8h06
